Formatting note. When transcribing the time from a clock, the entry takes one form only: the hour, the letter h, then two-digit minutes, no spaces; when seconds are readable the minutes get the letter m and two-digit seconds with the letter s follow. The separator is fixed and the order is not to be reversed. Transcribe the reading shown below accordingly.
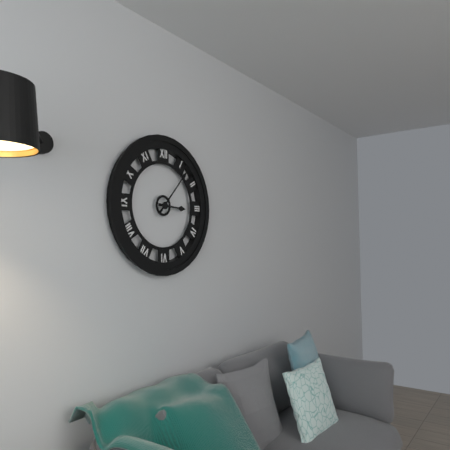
3h07
